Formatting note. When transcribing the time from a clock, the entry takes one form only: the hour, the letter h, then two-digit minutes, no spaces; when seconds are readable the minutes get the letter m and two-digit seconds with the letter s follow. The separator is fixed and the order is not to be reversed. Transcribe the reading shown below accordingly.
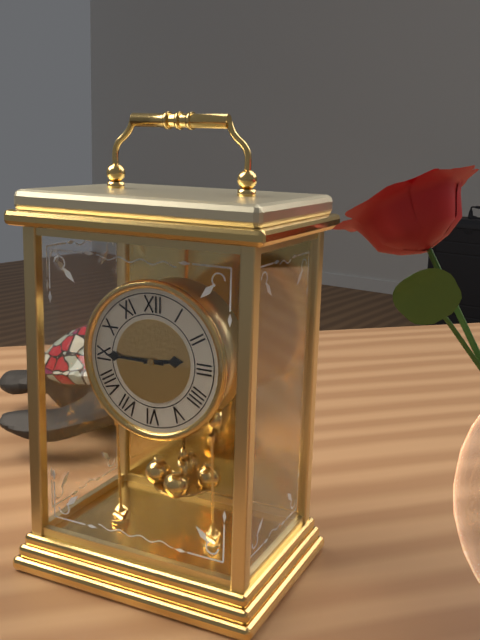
2h45
